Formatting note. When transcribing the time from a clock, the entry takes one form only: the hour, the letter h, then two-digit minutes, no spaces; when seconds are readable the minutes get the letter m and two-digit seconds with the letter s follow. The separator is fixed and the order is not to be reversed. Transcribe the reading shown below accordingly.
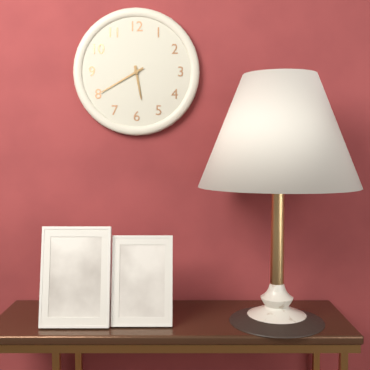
5h40
